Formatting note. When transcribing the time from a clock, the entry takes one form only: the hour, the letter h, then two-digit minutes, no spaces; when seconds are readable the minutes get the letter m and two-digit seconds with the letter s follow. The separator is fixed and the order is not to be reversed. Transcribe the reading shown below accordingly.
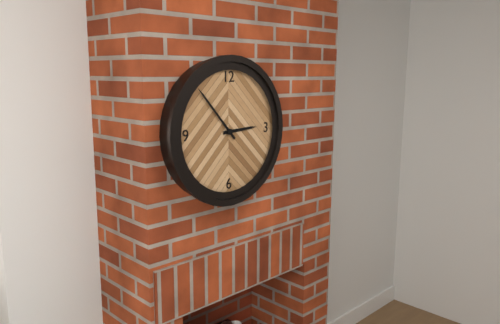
2h53
